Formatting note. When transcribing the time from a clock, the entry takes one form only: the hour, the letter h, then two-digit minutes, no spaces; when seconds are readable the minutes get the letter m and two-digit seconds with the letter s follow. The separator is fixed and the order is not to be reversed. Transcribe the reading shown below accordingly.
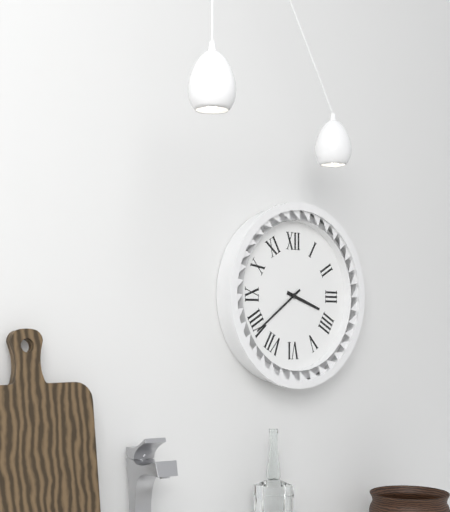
3h39
